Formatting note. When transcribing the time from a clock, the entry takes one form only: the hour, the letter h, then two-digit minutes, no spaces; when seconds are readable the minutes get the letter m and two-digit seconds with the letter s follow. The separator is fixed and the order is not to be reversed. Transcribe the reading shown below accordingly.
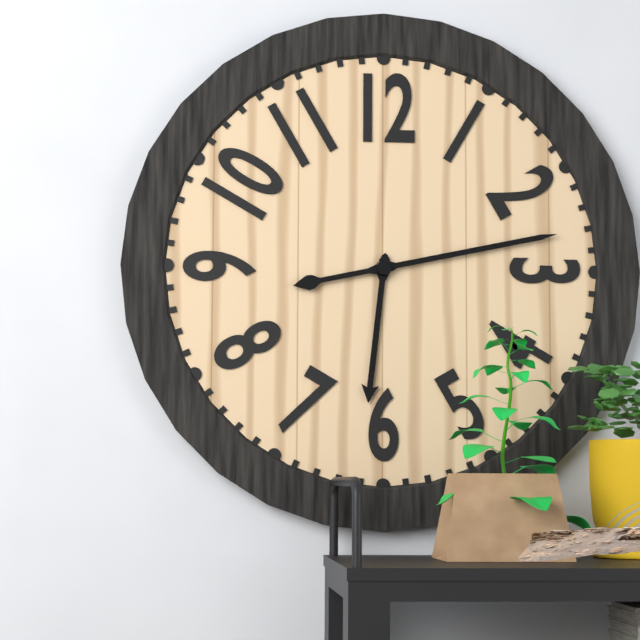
6h13
